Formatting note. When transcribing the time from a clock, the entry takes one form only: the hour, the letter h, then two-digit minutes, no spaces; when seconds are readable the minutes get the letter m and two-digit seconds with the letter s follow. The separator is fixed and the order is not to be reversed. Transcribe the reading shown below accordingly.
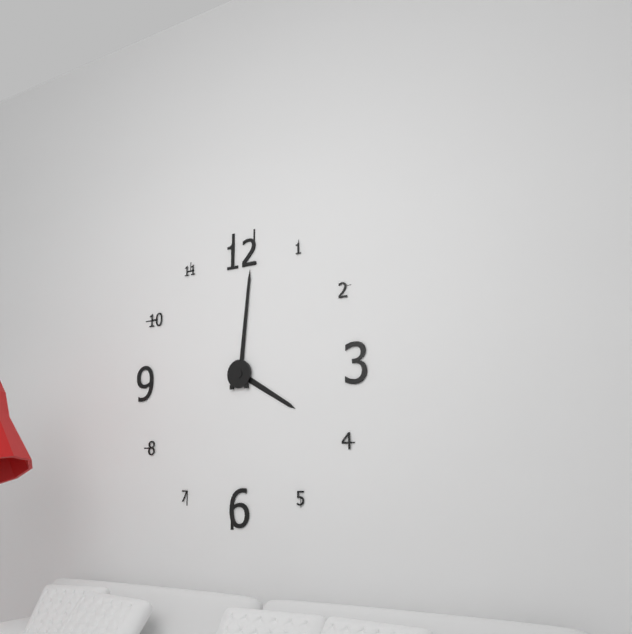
4h01
